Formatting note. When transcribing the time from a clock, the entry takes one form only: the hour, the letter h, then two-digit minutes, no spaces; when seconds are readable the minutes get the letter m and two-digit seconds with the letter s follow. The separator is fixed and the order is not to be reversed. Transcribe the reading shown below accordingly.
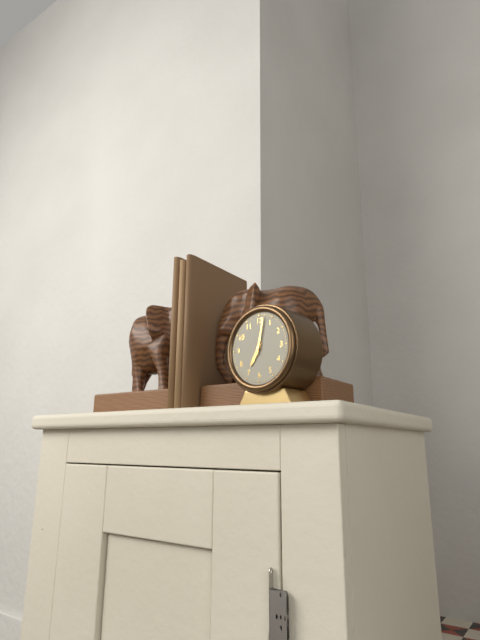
7h02
